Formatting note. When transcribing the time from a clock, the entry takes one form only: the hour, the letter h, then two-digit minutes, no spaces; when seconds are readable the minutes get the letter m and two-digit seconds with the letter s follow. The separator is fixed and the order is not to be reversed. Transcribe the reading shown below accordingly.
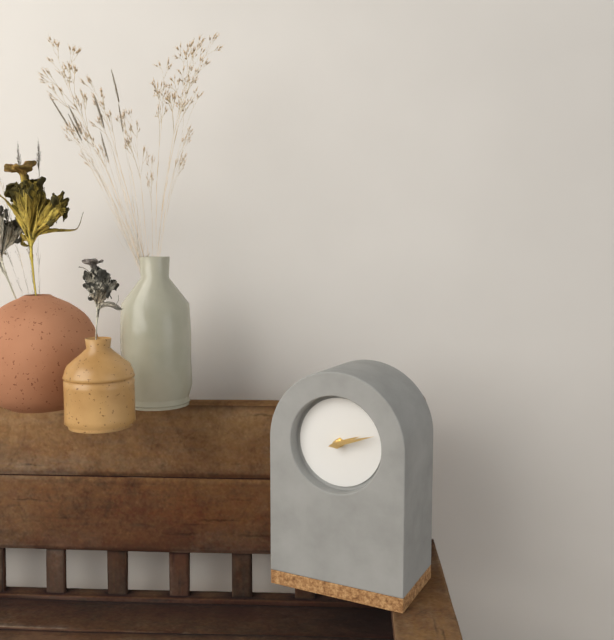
2h12
